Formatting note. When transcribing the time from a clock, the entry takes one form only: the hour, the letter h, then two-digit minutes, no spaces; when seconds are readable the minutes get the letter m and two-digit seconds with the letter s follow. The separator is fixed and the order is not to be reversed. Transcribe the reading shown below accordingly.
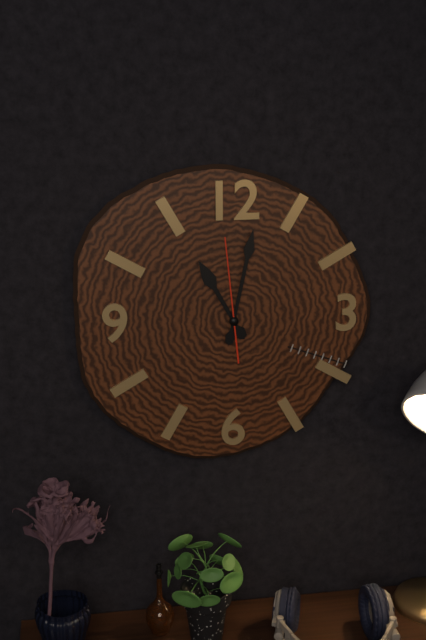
11h02m59s
